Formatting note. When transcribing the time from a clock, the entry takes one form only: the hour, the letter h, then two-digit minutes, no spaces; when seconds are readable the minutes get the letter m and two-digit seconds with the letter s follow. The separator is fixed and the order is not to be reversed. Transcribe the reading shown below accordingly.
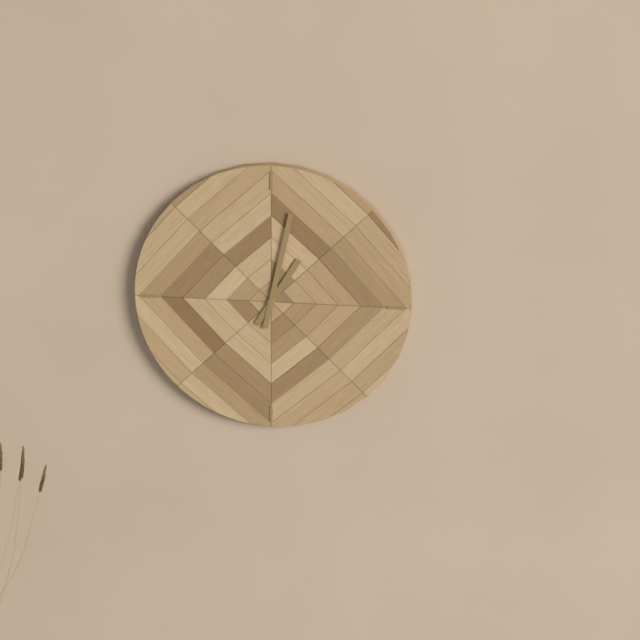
1h02
